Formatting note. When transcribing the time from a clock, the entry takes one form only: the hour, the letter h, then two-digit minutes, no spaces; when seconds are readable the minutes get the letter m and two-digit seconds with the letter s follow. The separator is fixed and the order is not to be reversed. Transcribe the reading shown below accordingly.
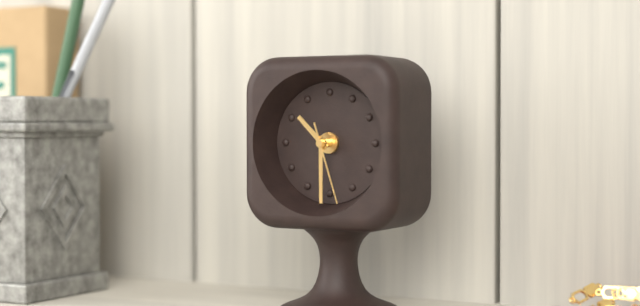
10h30m27s
